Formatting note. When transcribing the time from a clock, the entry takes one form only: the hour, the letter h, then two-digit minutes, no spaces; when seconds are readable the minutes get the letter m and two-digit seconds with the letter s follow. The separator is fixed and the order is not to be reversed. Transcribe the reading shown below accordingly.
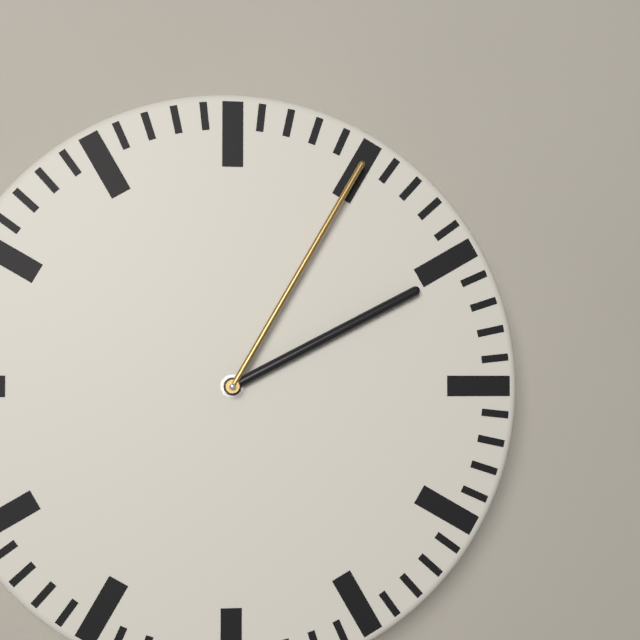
2h05
